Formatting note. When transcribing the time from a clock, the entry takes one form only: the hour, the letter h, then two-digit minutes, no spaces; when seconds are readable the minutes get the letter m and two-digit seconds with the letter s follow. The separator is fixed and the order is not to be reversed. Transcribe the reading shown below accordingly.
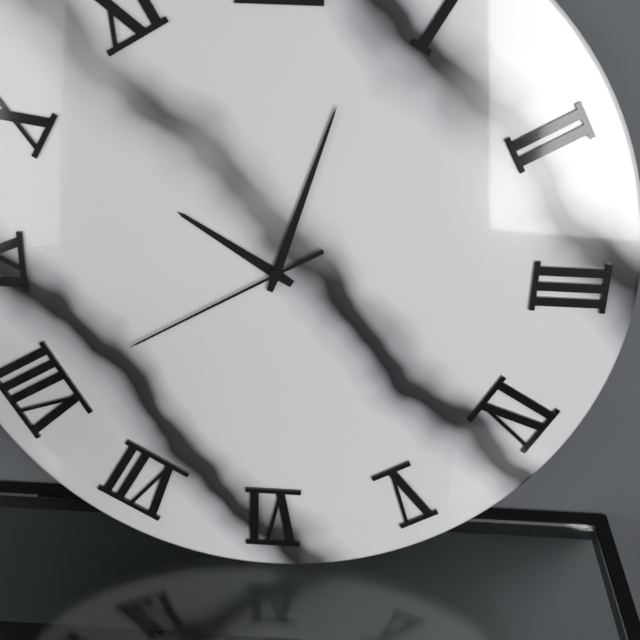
10h03m40s
